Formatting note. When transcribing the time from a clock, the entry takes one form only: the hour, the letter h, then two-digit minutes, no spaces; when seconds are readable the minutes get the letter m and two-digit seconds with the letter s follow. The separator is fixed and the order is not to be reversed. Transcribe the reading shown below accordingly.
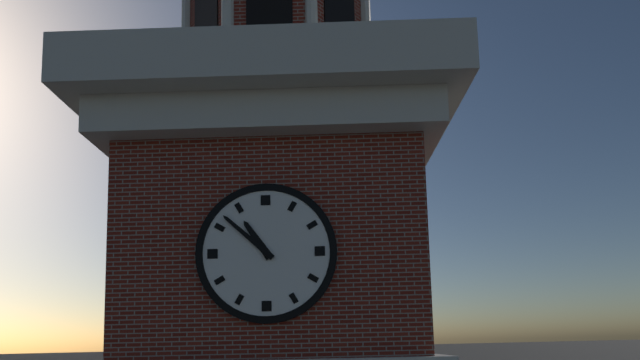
10h52
